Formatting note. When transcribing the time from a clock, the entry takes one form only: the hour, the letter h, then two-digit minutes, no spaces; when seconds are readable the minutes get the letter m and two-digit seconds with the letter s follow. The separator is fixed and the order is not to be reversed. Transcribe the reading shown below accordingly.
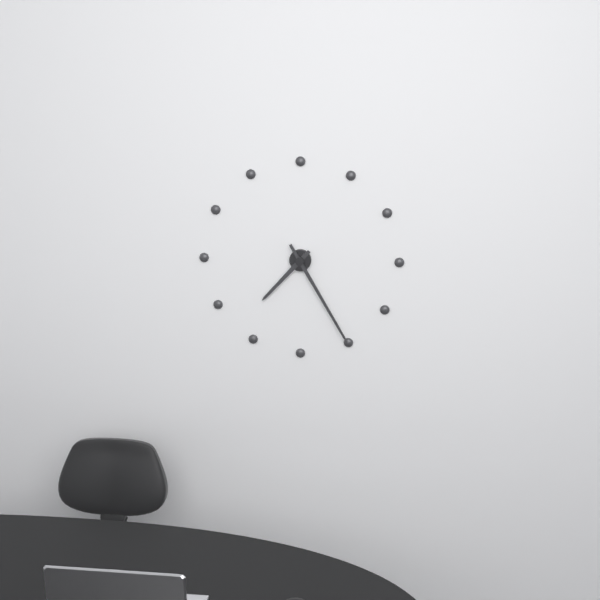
7h25
